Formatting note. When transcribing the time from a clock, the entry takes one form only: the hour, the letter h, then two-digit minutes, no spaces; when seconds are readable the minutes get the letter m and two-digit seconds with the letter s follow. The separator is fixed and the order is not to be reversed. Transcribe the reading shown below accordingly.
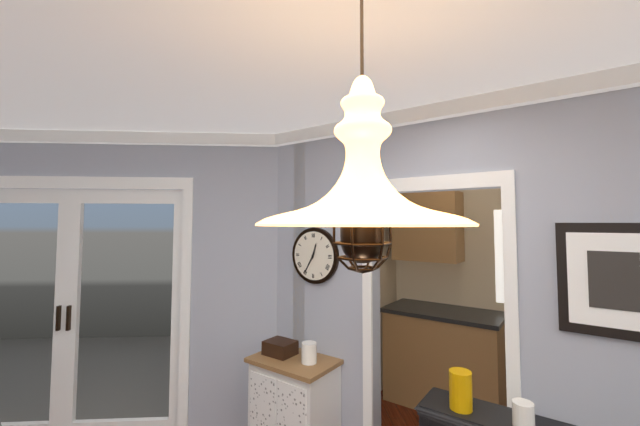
12h35
